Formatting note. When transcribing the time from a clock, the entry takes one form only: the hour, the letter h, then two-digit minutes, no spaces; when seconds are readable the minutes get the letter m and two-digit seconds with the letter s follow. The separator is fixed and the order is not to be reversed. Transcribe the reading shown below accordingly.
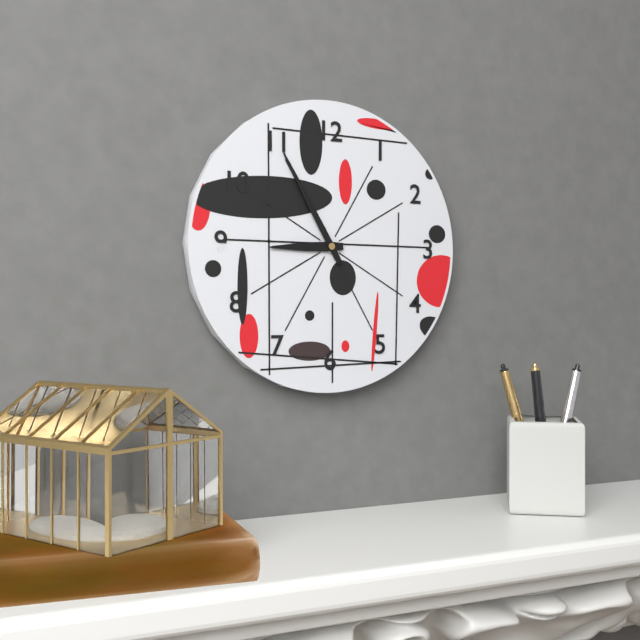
8h55
